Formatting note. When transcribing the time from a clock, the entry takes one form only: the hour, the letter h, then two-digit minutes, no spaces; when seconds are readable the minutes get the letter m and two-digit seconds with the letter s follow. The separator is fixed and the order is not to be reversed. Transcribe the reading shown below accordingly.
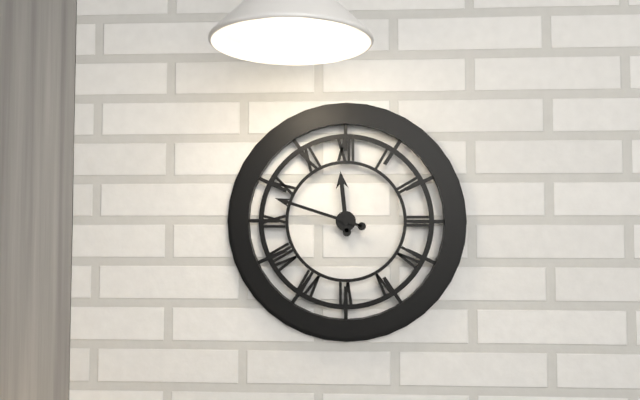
11h48
